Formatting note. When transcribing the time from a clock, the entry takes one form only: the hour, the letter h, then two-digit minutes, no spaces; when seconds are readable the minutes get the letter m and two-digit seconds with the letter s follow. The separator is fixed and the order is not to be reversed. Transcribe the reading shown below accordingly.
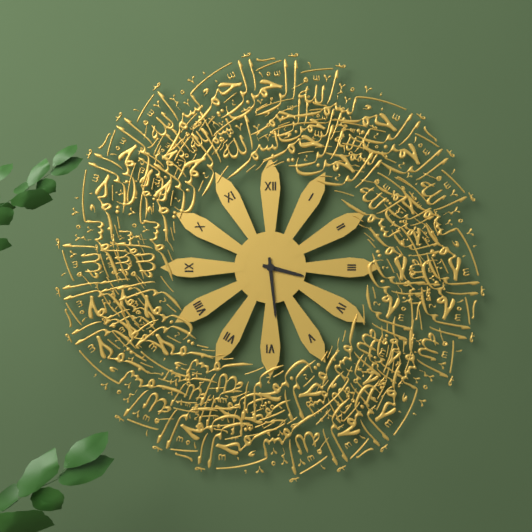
3h29
